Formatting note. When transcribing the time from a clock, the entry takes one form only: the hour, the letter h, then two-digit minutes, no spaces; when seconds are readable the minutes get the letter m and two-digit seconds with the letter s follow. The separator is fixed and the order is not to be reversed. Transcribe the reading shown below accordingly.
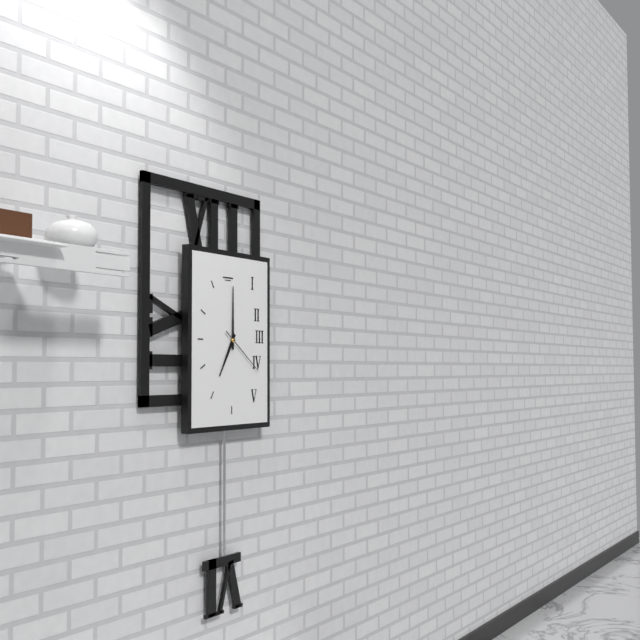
7h00
